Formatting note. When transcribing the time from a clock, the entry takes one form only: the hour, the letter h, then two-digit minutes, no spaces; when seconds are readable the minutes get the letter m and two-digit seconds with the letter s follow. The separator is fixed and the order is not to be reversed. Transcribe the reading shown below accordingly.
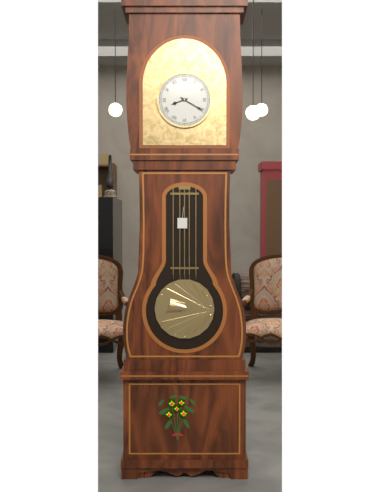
8h20
